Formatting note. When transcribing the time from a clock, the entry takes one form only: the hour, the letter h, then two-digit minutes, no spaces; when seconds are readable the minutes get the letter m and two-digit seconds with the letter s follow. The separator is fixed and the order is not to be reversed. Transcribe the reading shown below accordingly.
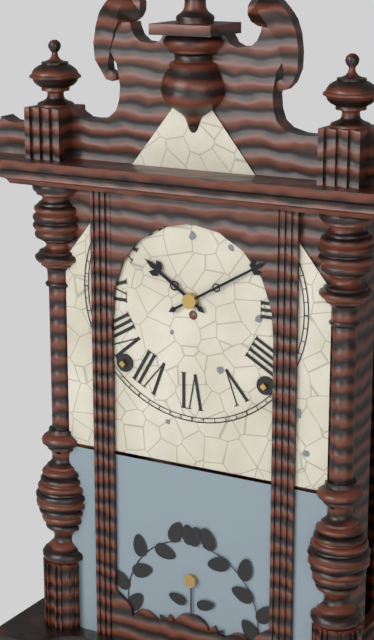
10h10
